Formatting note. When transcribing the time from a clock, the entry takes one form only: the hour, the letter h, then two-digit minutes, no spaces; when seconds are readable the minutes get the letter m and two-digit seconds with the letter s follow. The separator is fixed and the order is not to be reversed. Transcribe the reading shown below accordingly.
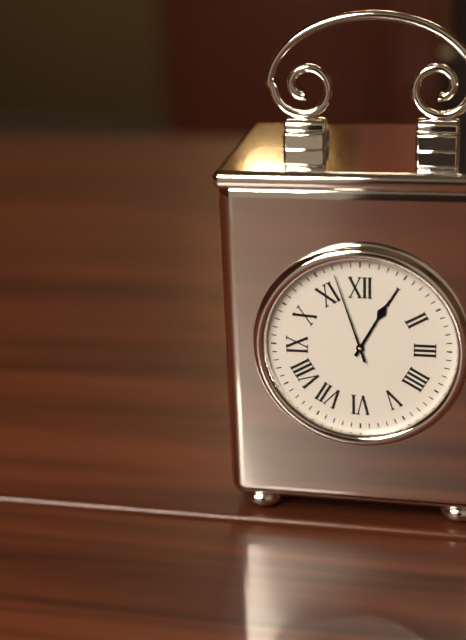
12h57
